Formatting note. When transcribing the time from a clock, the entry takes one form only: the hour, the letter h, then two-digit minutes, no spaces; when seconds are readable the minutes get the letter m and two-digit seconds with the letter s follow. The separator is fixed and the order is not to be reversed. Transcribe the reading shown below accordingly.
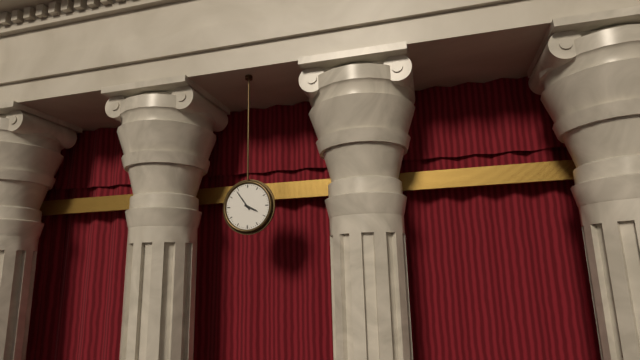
3h54
